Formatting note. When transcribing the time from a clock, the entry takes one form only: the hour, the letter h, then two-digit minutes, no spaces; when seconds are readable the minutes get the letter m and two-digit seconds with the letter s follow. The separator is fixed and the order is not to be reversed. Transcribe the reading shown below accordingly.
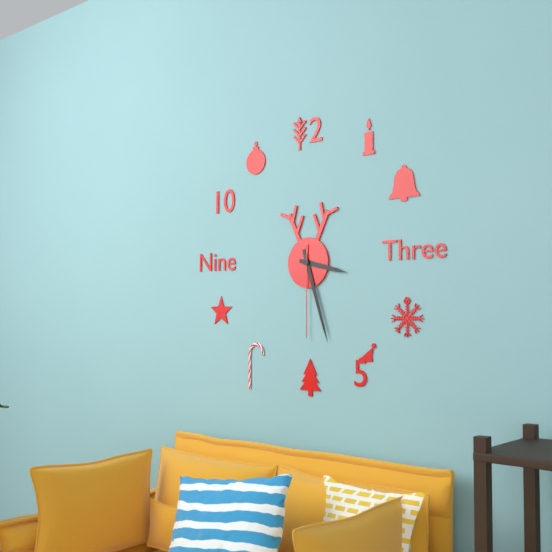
3h27m30s
